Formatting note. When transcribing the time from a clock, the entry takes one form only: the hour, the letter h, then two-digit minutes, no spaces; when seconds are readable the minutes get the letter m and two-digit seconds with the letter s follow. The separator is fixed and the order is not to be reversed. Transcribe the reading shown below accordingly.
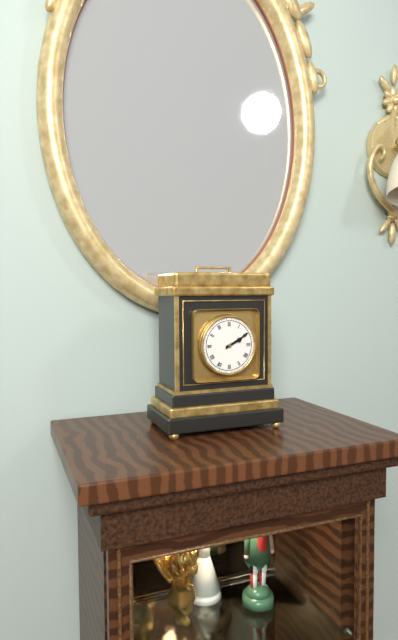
2h10
